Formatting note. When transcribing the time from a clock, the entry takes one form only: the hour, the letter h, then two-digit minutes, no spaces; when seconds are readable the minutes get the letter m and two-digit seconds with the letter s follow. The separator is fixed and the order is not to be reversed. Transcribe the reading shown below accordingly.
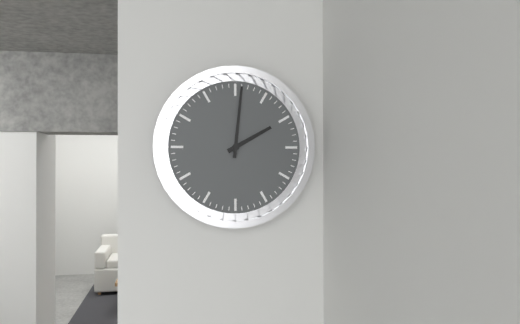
2h01
